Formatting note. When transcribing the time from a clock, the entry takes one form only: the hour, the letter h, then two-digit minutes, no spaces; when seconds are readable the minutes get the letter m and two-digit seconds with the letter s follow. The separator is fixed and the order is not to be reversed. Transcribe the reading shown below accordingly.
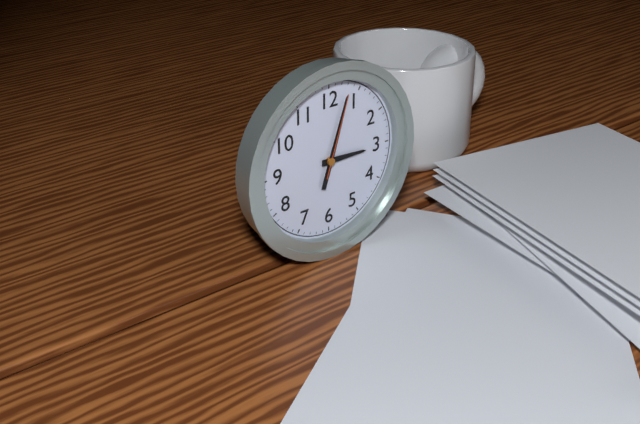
3h03m03s
